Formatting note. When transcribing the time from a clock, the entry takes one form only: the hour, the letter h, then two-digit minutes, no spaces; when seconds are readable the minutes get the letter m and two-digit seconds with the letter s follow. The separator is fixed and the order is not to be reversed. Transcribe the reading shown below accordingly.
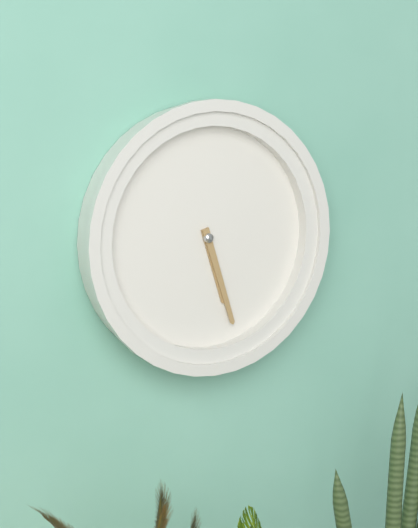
5h27
